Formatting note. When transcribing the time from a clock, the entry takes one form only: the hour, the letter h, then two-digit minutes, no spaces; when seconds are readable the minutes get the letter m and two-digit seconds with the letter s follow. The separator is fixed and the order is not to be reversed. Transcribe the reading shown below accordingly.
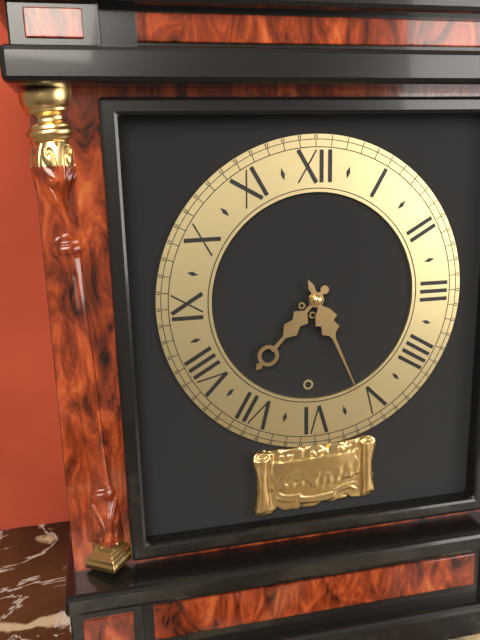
7h26
